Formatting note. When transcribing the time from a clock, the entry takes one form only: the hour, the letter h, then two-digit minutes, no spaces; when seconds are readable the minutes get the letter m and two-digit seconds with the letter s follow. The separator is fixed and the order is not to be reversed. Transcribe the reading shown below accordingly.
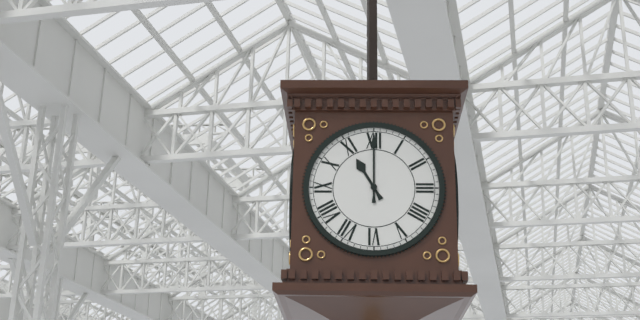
11h00
